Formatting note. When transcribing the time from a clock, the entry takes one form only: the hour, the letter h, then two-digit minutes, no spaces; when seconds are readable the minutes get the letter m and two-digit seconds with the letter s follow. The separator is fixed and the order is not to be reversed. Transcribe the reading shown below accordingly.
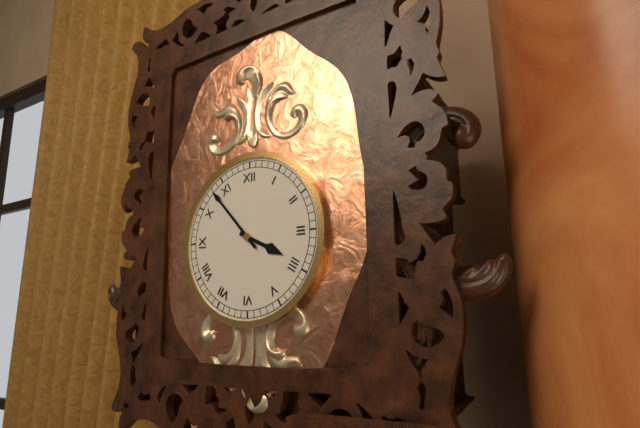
3h53
